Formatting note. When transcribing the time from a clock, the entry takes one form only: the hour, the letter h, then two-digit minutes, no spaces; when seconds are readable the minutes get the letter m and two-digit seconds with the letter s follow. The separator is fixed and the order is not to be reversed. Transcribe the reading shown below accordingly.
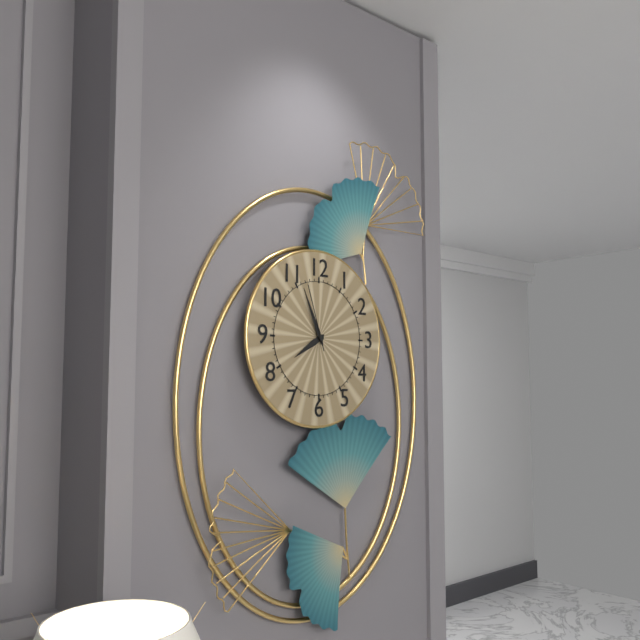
7h56m57s
